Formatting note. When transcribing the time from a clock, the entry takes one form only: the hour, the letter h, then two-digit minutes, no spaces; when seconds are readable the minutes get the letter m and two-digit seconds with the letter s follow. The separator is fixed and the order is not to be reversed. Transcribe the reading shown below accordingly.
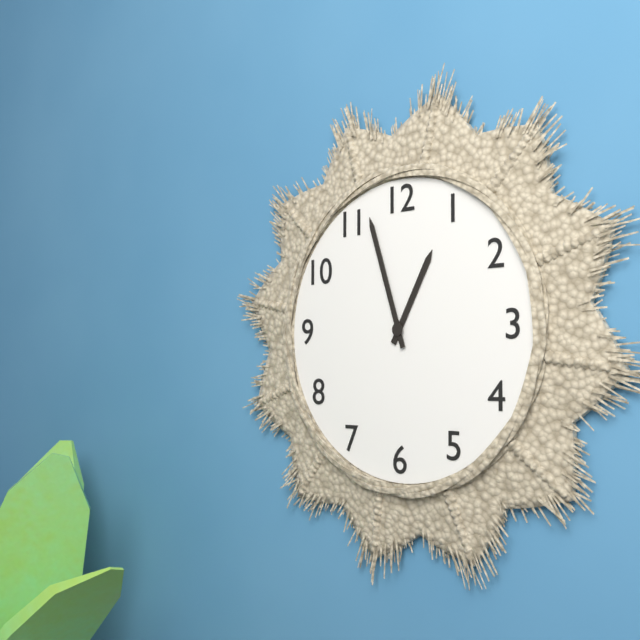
12h57
